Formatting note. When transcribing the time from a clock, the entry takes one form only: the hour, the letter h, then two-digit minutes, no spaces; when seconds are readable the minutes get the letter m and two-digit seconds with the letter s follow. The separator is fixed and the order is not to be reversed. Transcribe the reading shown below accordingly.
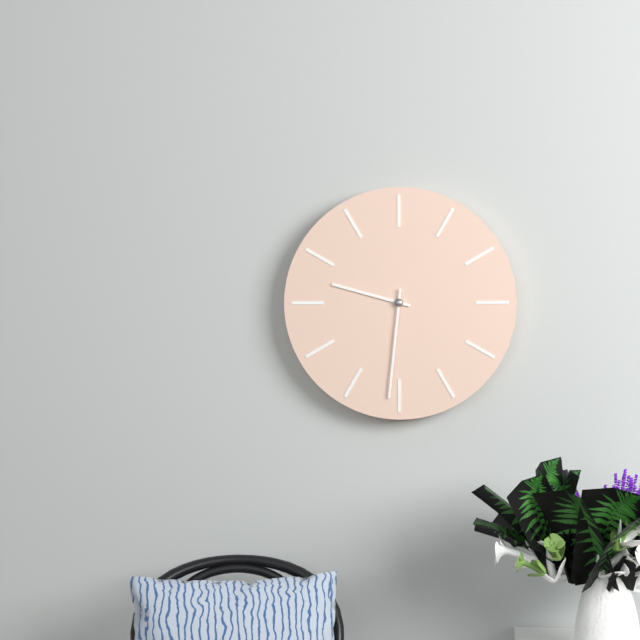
9h31
